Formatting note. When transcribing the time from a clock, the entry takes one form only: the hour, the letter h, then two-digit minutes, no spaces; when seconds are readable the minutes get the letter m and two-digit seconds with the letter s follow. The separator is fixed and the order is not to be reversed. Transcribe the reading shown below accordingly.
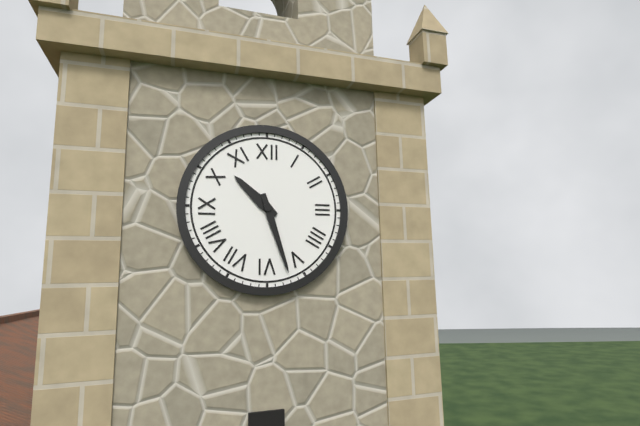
10h27
